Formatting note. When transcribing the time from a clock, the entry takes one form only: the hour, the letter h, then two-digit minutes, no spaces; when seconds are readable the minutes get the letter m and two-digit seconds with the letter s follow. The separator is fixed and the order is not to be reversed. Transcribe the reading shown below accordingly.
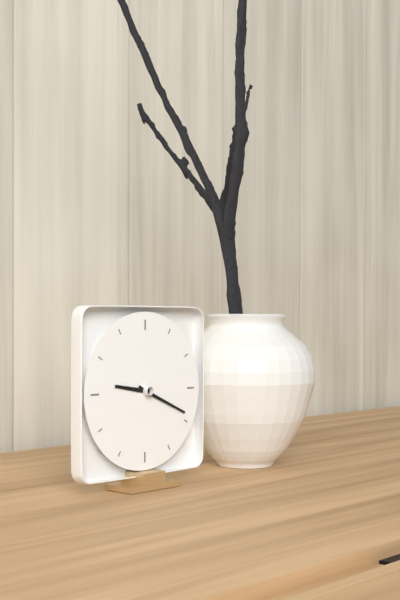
9h19
